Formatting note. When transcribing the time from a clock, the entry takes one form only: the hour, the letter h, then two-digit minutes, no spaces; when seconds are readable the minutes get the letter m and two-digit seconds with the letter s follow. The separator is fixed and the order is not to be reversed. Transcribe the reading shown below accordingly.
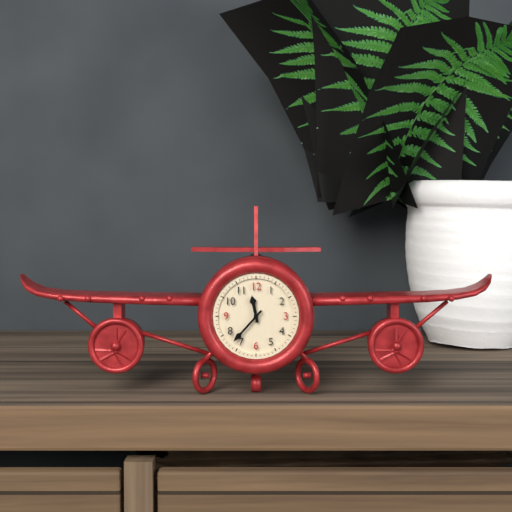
11h37
